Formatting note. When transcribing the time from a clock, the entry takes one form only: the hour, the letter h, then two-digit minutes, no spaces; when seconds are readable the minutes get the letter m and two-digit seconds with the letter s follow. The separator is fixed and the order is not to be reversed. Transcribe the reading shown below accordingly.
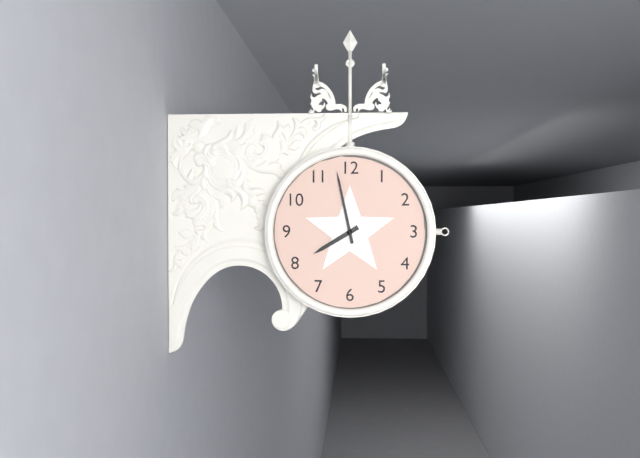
7h58
